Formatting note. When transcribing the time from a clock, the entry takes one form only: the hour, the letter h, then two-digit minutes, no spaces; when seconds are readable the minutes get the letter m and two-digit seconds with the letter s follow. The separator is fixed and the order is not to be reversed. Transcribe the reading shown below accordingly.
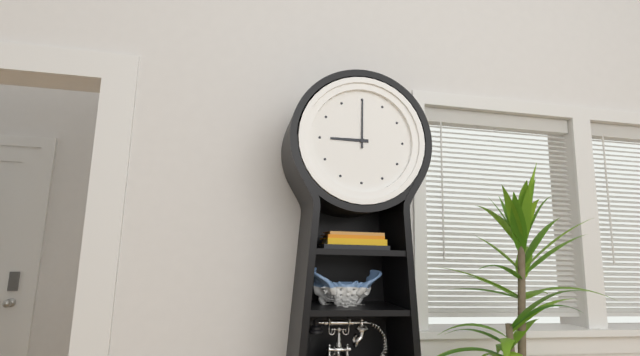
9h00
